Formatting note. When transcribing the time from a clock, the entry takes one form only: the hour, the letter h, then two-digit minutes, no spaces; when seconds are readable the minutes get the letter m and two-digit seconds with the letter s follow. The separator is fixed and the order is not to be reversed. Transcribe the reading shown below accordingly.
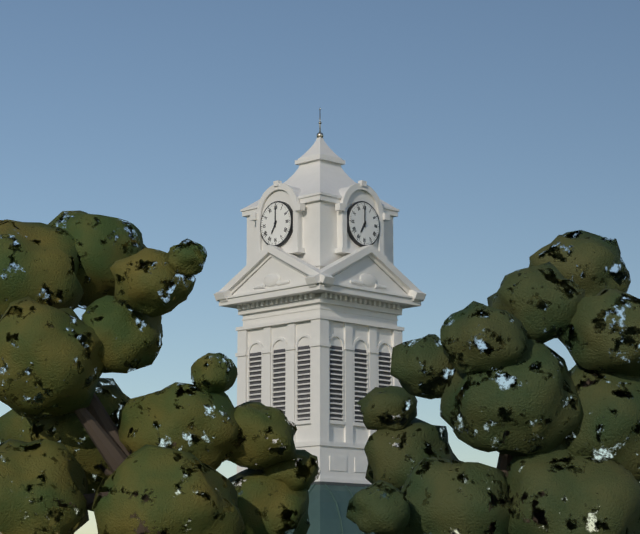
7h00
